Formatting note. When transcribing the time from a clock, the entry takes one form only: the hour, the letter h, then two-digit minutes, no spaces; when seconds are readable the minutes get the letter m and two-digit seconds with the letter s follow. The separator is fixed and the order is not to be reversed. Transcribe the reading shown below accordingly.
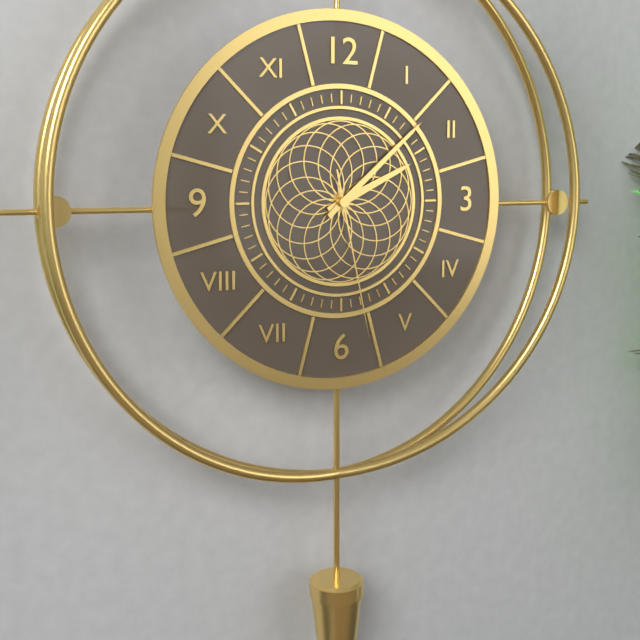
2h08m28s
